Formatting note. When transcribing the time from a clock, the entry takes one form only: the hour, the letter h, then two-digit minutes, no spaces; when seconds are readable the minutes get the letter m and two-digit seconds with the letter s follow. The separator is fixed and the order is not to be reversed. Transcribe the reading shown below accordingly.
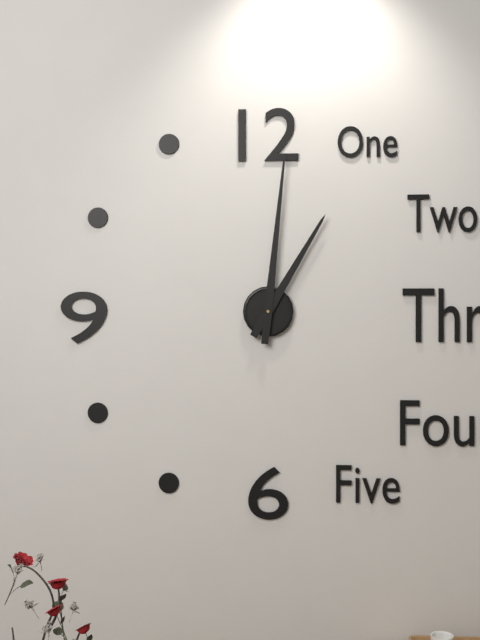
1h01
